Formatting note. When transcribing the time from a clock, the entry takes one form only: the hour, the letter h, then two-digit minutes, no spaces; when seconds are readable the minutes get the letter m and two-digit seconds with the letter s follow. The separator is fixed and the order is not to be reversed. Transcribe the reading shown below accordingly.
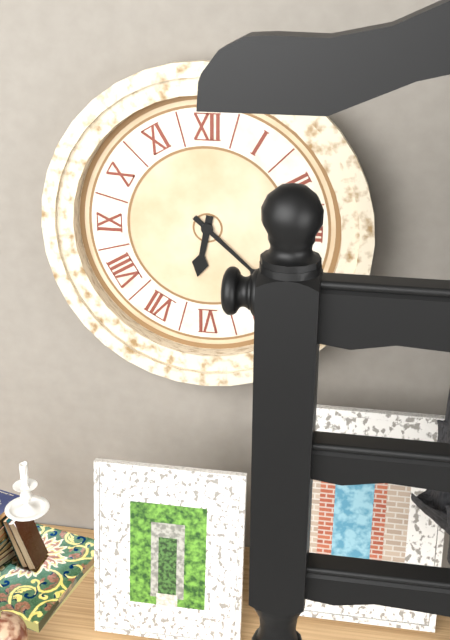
6h22
